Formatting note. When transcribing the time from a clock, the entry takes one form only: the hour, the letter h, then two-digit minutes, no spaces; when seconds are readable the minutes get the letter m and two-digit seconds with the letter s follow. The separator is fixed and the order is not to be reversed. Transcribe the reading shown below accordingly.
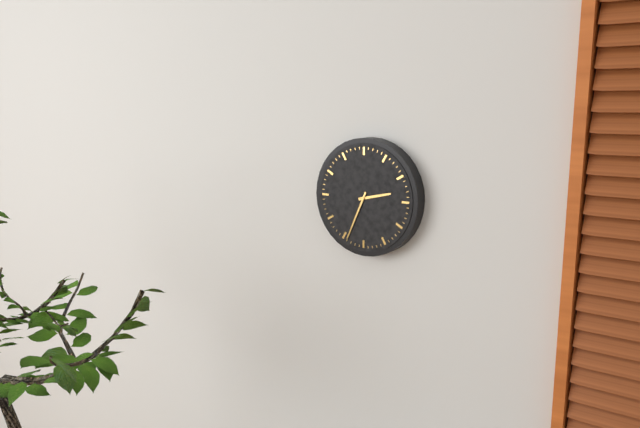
2h34
